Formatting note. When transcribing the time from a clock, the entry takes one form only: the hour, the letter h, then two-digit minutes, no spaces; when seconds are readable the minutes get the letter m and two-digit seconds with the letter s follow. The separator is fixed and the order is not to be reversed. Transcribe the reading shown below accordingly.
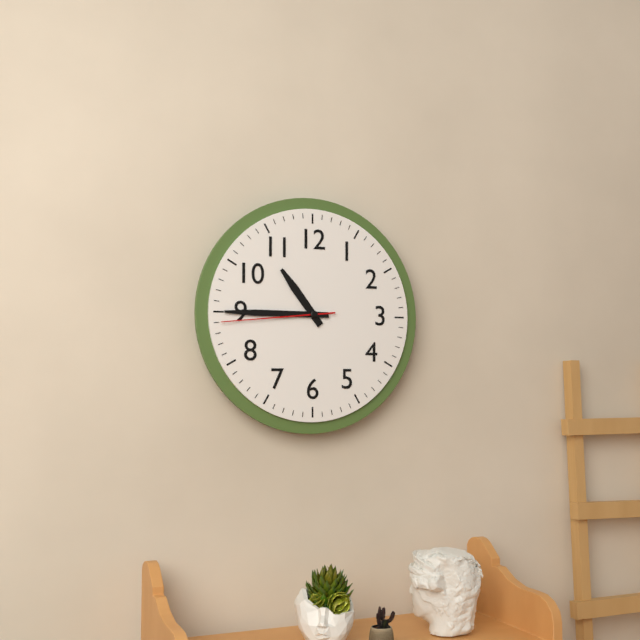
10h45m44s
